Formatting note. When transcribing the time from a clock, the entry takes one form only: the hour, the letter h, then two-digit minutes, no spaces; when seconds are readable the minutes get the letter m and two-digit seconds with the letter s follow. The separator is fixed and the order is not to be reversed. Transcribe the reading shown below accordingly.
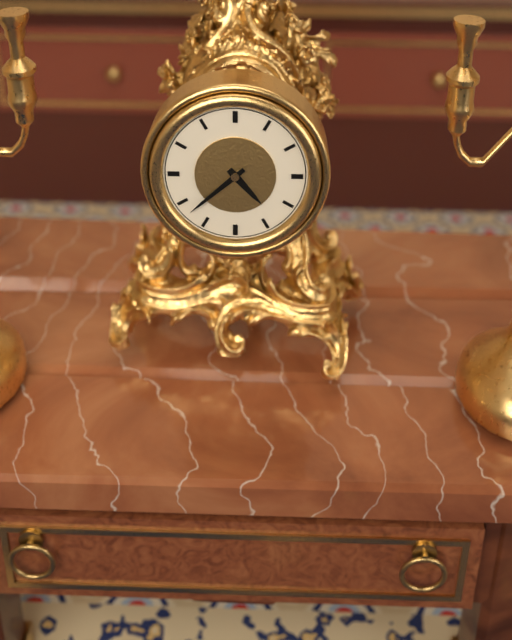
4h38
